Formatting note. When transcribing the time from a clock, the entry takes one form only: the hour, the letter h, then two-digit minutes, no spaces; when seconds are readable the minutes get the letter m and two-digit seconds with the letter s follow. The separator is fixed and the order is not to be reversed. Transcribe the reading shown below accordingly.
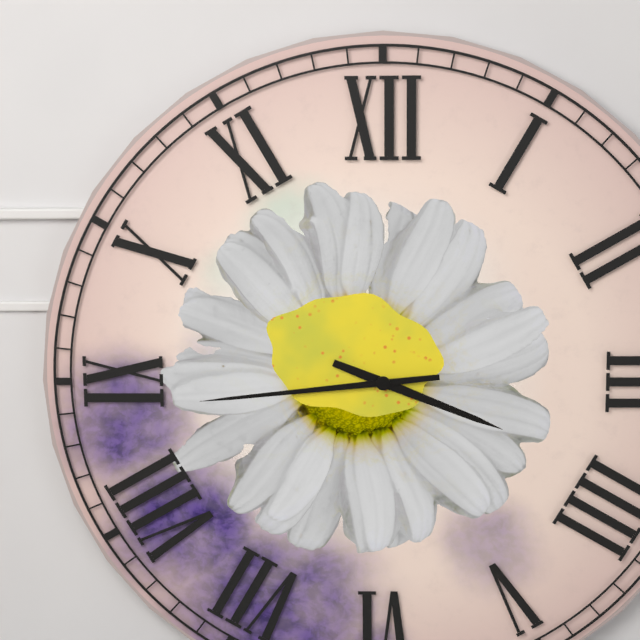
3h44
